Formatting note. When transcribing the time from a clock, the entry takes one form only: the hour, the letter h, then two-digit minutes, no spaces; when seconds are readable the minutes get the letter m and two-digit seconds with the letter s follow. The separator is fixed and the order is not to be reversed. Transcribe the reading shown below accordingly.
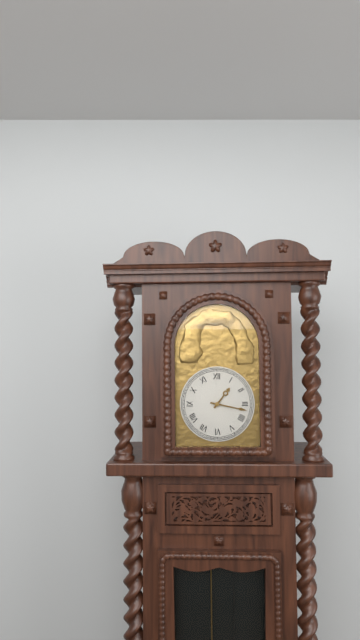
1h17
